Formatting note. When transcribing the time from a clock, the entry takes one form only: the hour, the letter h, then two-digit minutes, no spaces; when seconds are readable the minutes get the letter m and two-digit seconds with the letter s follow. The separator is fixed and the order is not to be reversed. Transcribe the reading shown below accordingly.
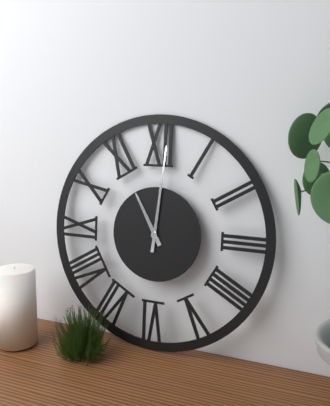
11h01
